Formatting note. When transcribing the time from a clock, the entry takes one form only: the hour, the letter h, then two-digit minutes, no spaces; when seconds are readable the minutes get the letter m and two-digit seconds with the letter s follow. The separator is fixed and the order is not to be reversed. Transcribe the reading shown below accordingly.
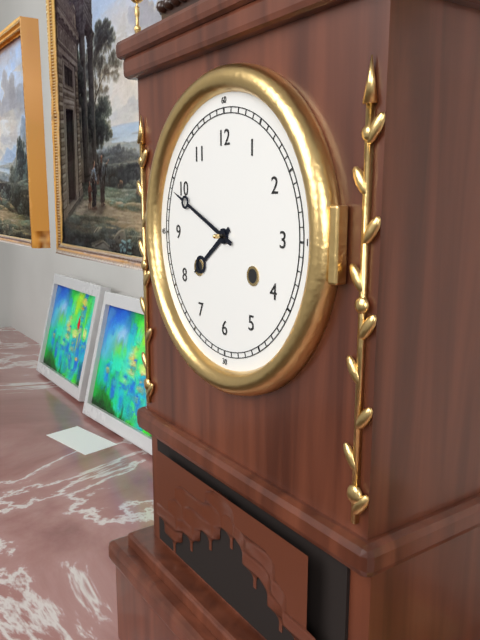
7h49
